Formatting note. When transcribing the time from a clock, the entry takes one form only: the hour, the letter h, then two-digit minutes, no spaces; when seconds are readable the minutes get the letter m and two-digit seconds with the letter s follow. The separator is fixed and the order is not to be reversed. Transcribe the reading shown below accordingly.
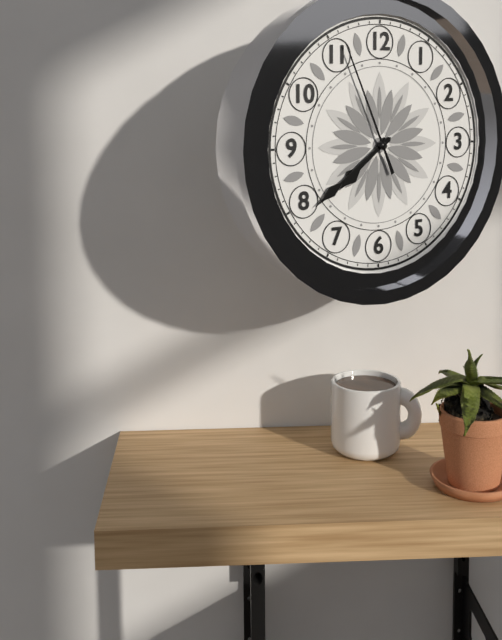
7h39m56s
